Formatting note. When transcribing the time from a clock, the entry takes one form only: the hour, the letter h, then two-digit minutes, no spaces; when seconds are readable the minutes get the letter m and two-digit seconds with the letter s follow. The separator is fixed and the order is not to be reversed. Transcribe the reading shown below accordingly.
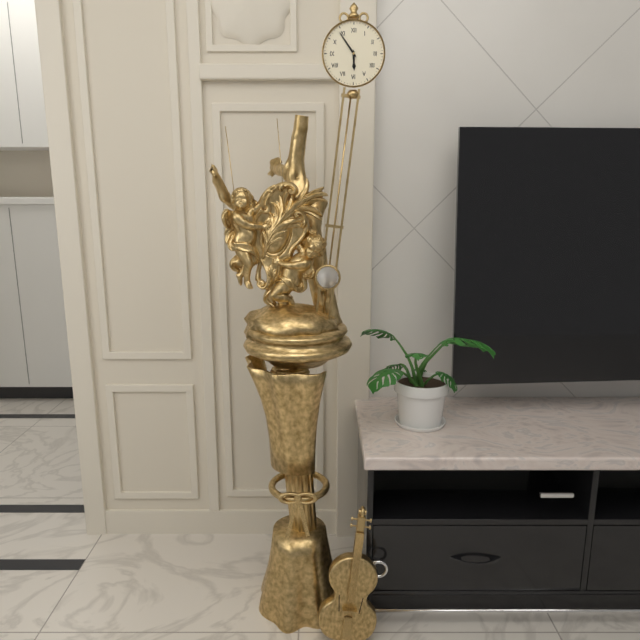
5h54
